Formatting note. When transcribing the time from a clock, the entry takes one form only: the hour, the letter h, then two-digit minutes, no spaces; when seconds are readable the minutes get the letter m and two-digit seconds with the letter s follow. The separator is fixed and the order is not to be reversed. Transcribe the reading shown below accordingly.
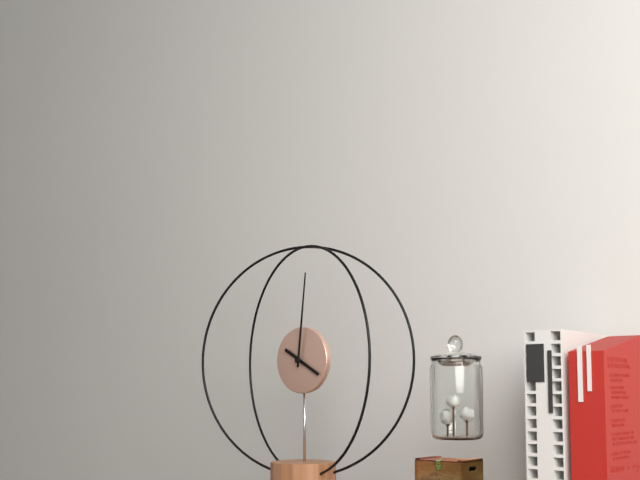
4h01
